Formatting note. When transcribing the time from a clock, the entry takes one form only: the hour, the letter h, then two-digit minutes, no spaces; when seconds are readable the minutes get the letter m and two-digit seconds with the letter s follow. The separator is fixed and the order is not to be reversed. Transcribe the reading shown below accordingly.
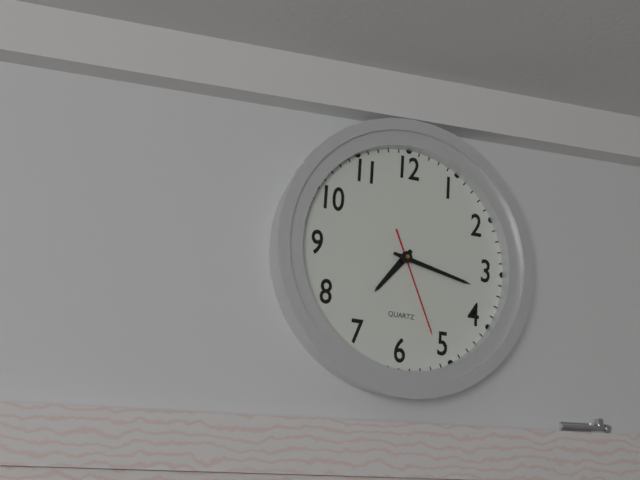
7h17m26s
